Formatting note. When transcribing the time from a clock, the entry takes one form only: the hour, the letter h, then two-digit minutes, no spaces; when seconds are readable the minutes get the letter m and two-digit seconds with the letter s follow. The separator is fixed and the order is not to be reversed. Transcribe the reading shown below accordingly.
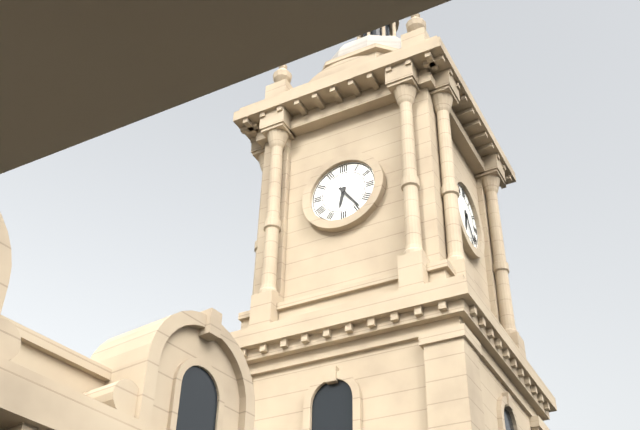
6h24
